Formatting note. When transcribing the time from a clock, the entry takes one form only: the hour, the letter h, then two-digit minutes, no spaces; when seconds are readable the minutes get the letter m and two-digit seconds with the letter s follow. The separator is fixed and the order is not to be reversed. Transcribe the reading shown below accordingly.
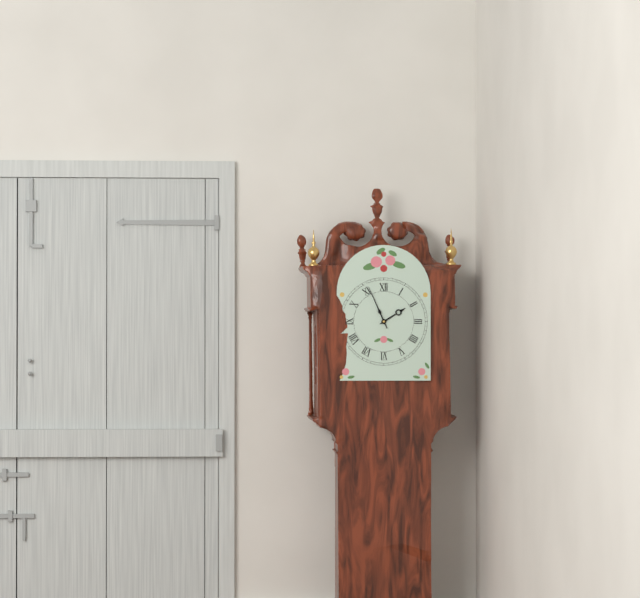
1h56
